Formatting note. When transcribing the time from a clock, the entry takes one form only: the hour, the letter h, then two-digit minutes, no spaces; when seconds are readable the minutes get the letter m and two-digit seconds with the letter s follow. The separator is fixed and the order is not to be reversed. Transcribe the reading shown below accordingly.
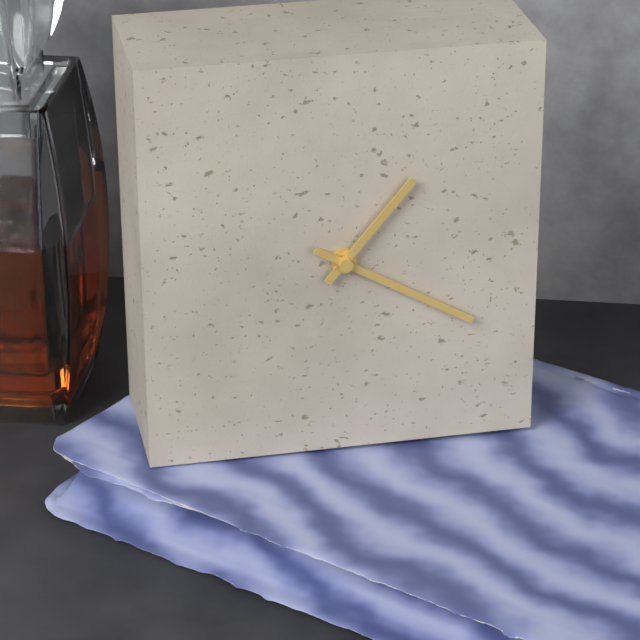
1h20
